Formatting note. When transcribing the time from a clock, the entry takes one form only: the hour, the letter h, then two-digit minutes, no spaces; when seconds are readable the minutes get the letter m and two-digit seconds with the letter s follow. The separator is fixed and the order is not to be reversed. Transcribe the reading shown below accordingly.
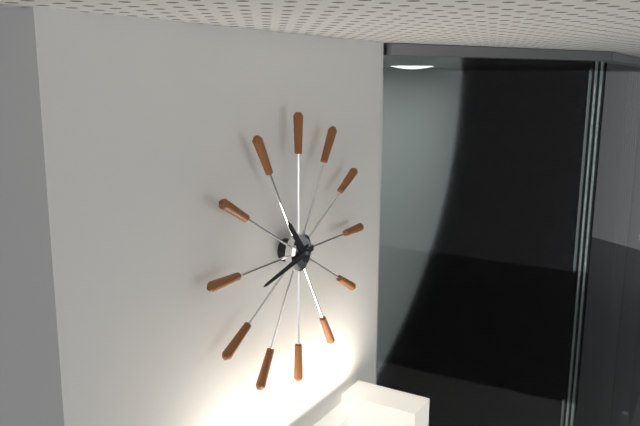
10h43
